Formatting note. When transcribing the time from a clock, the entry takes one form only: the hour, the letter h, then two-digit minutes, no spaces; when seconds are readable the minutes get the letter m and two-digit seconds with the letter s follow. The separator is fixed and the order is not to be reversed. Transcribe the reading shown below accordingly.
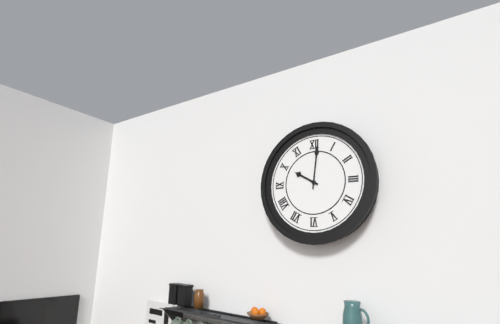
10h01
